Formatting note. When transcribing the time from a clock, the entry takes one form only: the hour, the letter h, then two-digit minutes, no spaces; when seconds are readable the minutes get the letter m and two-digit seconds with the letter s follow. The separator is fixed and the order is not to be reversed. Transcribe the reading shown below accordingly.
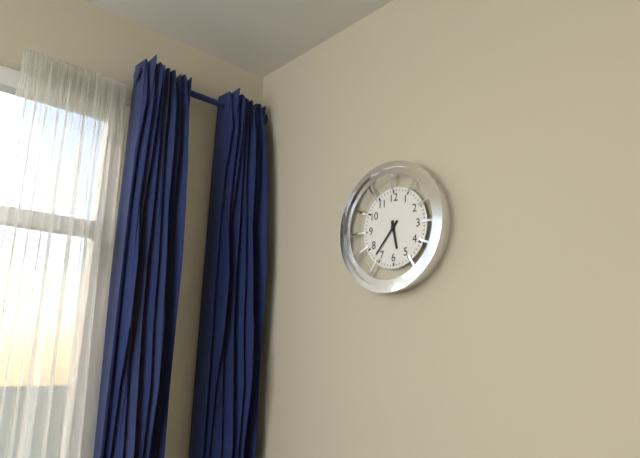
5h37
